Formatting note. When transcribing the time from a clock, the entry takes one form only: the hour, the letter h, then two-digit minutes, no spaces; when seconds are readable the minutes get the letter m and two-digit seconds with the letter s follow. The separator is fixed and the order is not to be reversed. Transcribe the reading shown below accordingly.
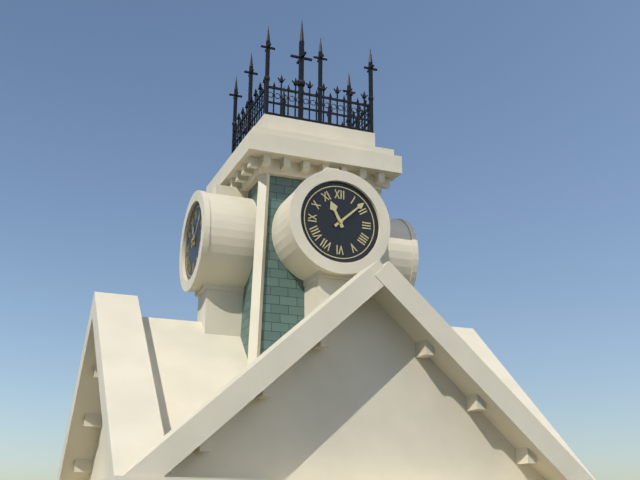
11h08
